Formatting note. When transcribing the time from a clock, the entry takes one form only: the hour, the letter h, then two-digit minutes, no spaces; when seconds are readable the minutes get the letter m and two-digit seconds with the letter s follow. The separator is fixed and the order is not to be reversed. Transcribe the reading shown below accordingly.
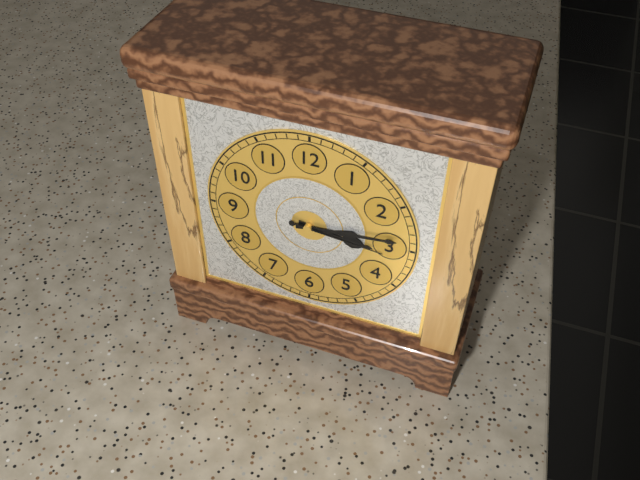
3h14m16s
